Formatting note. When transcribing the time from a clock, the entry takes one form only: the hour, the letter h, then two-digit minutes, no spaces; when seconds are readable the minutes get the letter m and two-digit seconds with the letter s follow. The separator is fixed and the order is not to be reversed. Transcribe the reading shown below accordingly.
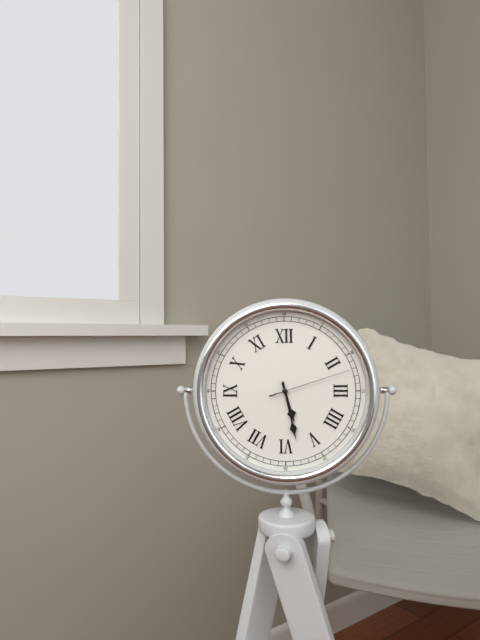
5h28m12s
